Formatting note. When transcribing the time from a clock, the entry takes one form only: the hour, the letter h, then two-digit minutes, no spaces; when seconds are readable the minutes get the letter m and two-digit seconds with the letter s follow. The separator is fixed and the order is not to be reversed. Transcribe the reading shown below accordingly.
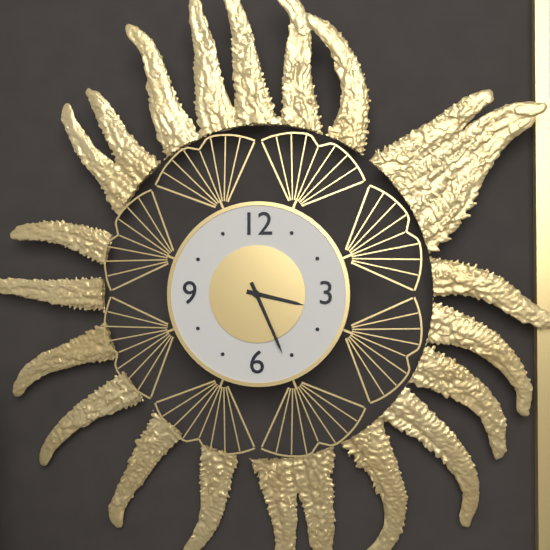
3h26
